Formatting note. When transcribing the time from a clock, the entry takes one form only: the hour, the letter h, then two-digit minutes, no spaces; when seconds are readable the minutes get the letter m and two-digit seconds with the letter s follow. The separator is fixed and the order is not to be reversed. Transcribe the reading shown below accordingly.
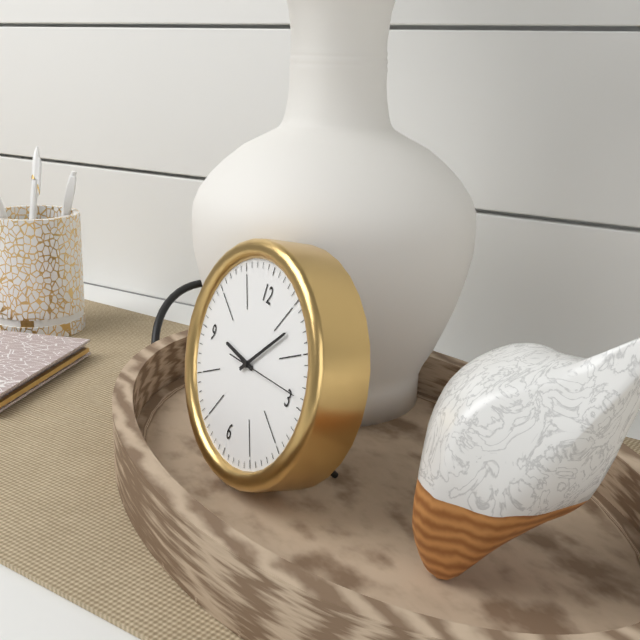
9h07m14s
